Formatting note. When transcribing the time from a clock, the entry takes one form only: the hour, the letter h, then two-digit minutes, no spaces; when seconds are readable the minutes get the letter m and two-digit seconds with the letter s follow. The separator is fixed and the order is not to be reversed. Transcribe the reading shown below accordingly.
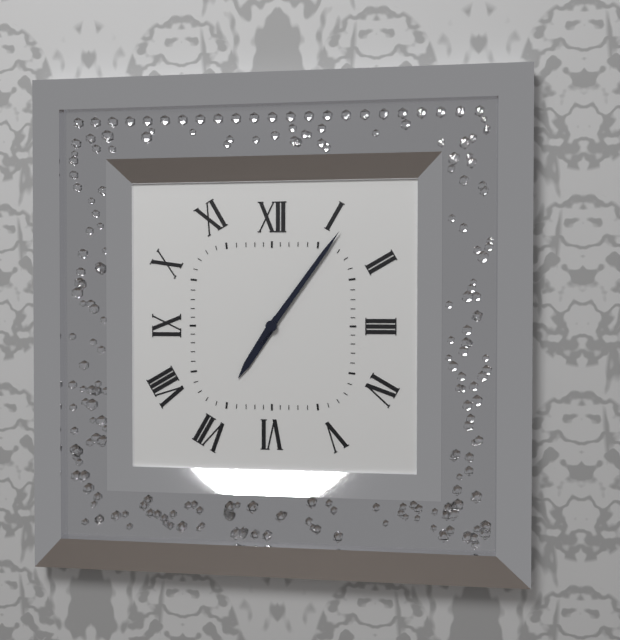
7h06
